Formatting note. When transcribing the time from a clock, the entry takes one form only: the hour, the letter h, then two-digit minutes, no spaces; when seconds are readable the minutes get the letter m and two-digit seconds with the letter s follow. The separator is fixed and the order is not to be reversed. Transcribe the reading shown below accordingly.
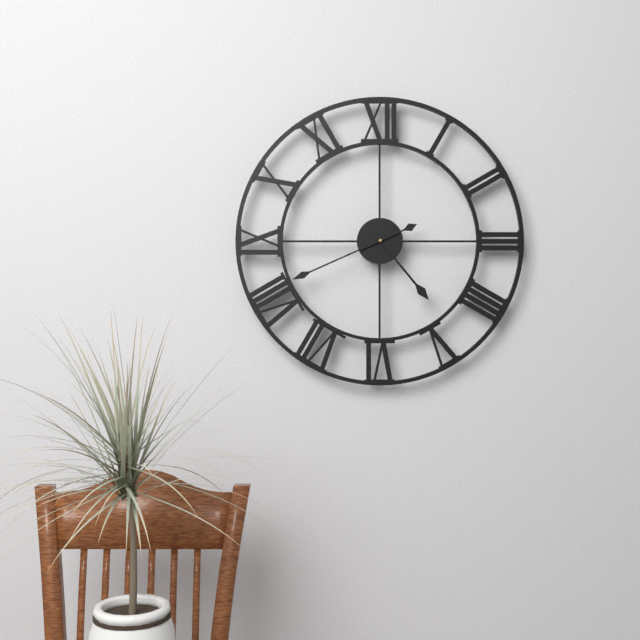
4h41
